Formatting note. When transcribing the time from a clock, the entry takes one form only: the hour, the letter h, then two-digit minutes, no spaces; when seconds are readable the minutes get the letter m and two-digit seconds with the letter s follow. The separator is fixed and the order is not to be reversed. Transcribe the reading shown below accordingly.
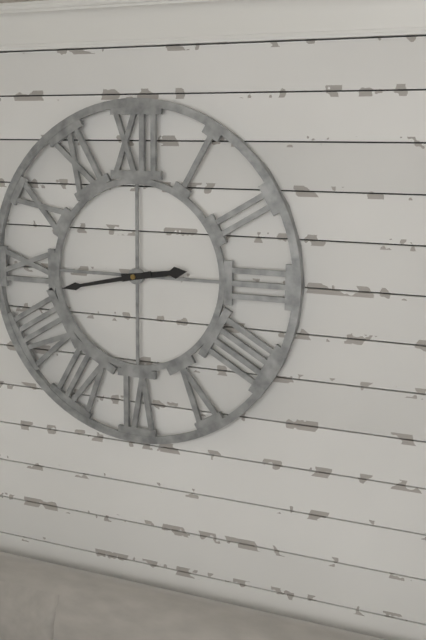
2h43
